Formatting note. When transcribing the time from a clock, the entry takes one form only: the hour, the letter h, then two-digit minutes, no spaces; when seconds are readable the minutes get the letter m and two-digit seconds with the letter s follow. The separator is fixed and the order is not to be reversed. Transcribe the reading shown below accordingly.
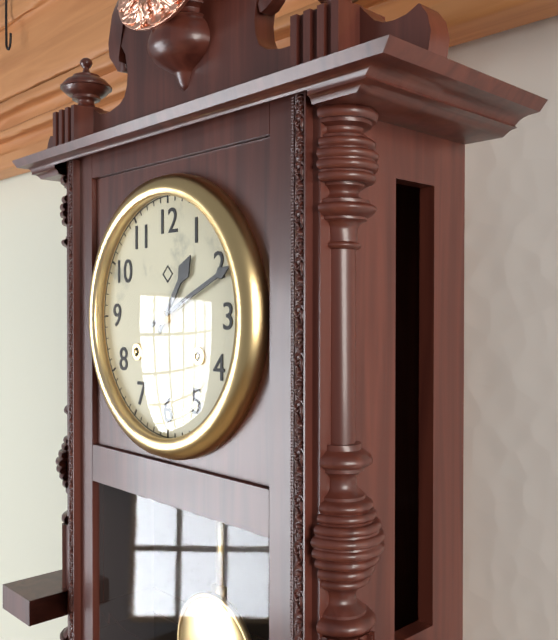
1h11
